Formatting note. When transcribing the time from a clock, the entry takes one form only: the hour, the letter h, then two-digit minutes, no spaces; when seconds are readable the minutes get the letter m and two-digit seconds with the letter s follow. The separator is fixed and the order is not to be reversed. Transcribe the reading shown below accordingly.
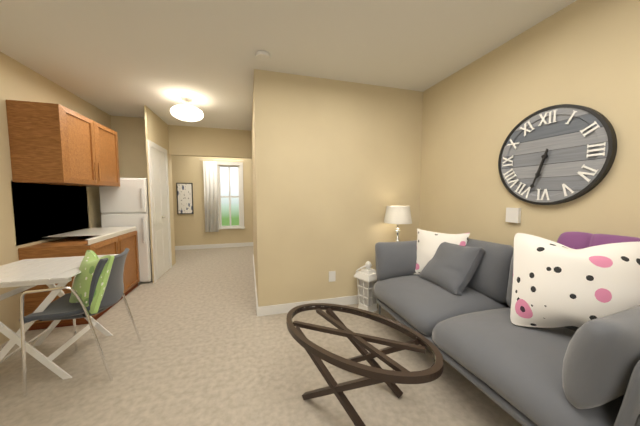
6h33
